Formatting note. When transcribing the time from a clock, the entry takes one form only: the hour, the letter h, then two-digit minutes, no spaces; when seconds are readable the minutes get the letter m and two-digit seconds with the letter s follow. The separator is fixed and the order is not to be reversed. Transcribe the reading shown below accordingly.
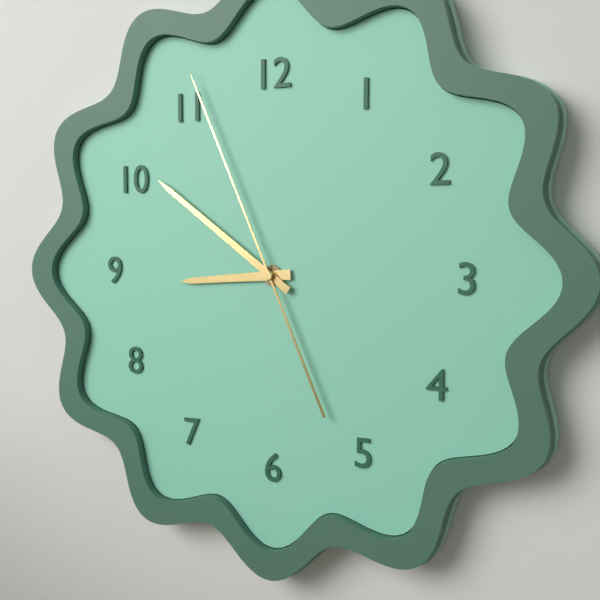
8h51m56s
